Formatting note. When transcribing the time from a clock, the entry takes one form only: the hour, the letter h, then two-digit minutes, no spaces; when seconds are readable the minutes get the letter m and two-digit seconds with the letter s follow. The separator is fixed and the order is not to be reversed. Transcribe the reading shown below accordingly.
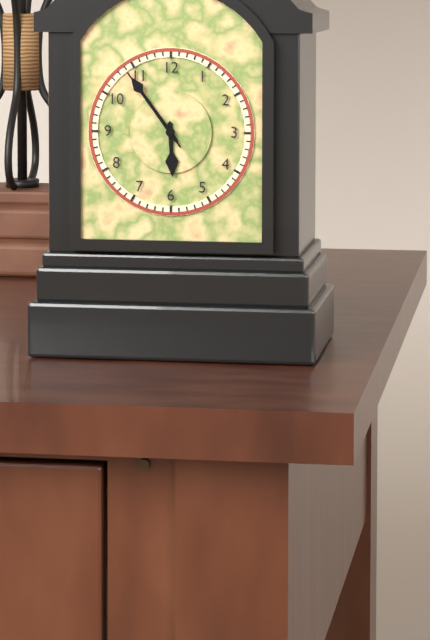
5h54m54s
